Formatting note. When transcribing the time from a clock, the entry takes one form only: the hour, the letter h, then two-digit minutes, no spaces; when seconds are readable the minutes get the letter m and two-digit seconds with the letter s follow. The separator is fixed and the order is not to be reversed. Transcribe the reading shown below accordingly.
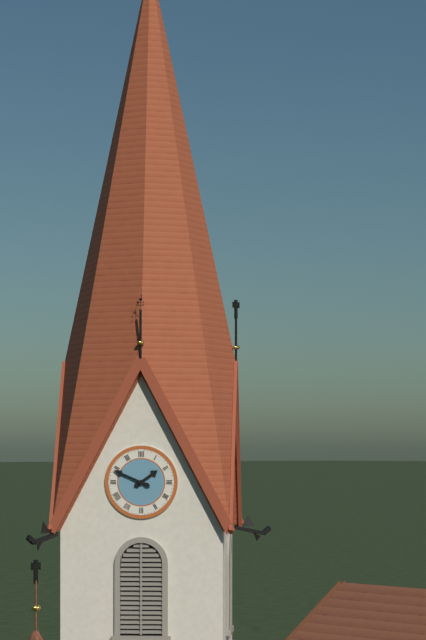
1h49
